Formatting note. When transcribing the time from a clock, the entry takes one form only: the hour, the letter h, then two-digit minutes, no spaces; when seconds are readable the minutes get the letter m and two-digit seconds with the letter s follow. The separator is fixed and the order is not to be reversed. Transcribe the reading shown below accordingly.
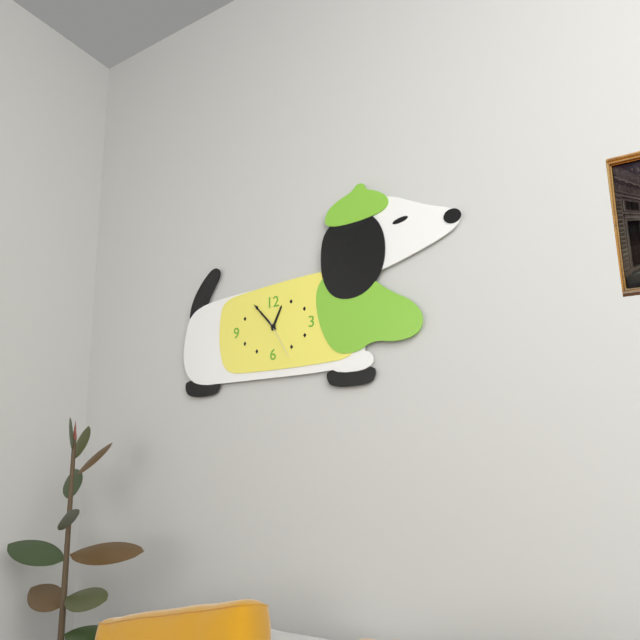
12h53
